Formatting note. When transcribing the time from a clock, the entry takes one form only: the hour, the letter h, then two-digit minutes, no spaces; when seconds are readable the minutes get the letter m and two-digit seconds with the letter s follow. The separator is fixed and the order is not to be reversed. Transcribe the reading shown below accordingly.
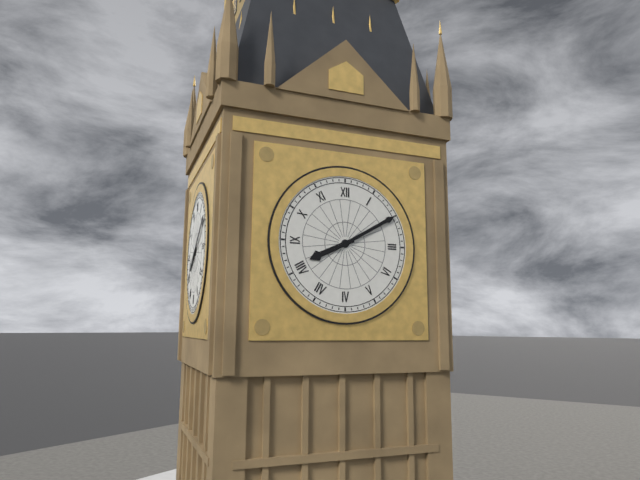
8h10
